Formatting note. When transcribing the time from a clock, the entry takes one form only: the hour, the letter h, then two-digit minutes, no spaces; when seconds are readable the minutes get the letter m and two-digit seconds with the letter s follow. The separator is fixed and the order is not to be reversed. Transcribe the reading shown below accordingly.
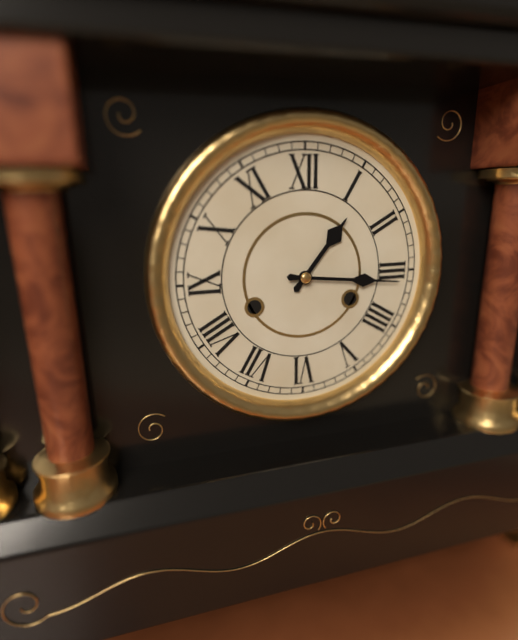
1h16
